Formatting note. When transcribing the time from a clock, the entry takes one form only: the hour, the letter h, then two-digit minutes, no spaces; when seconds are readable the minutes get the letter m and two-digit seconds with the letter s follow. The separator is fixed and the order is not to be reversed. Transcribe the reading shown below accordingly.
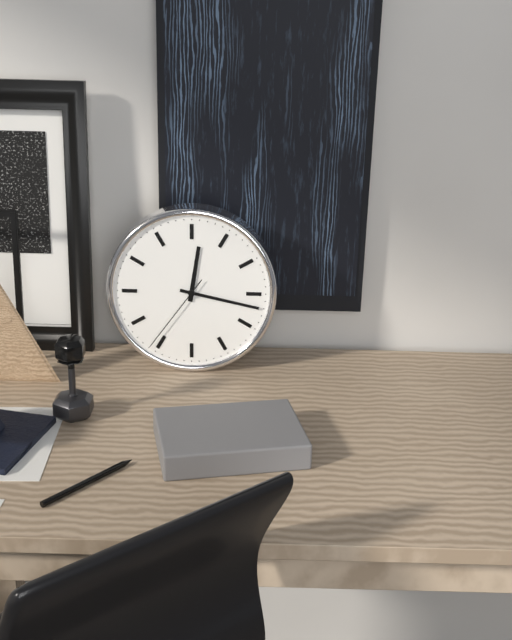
12h17m36s
